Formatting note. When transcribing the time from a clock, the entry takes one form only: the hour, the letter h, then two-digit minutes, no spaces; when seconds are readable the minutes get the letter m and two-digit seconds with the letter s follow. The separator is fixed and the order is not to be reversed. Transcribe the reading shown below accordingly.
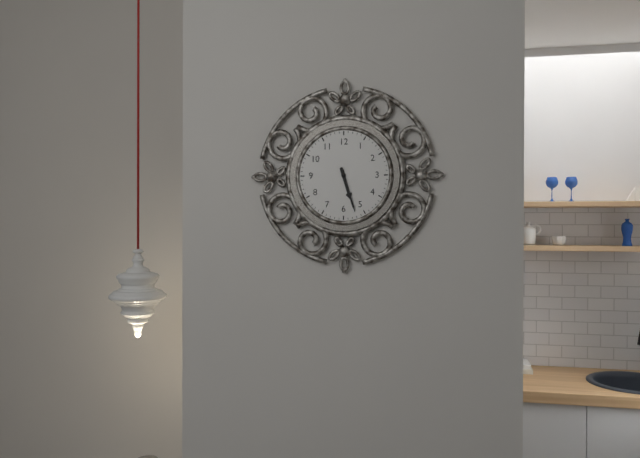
5h27
